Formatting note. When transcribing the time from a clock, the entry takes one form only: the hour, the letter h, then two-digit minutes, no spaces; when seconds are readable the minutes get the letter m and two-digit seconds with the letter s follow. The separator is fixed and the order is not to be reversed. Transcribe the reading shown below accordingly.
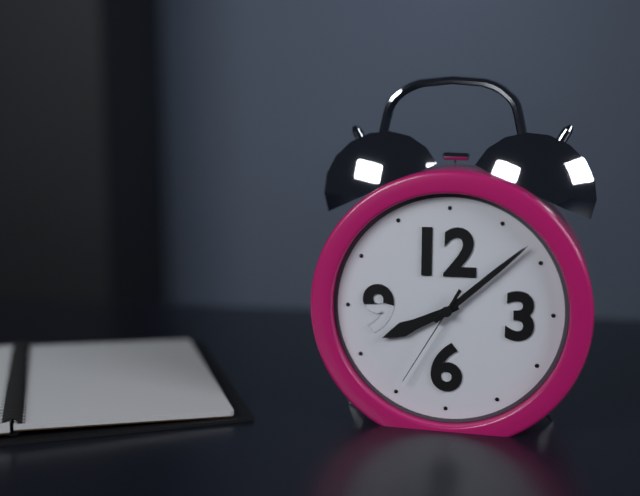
8h08m35s
